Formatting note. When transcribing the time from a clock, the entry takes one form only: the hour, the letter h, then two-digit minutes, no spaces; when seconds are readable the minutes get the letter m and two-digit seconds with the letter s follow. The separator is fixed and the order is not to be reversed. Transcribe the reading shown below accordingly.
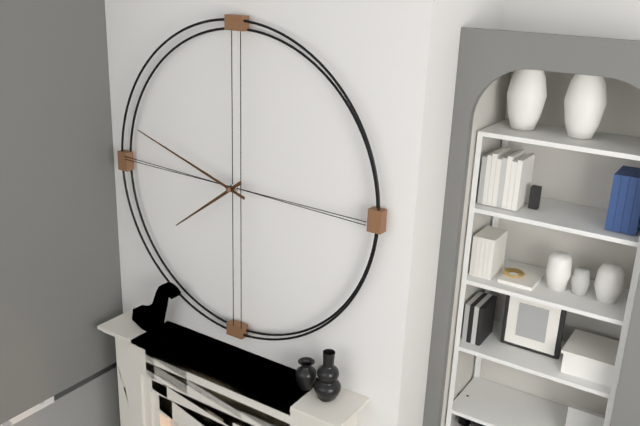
7h48
